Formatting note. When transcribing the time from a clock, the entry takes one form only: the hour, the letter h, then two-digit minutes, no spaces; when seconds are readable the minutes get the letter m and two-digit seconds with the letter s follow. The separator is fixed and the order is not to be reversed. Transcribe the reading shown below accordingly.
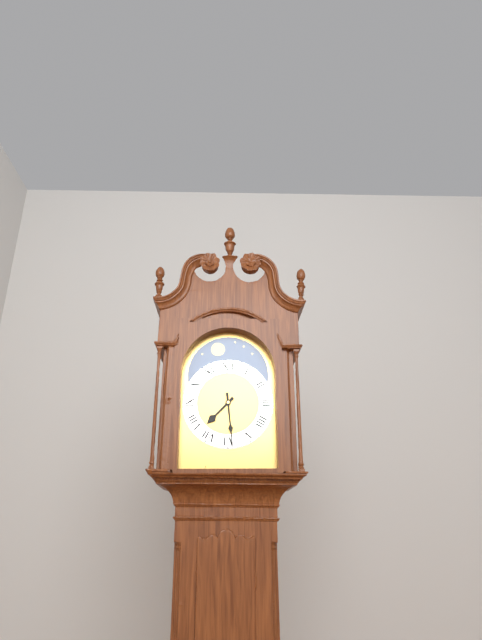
7h29
